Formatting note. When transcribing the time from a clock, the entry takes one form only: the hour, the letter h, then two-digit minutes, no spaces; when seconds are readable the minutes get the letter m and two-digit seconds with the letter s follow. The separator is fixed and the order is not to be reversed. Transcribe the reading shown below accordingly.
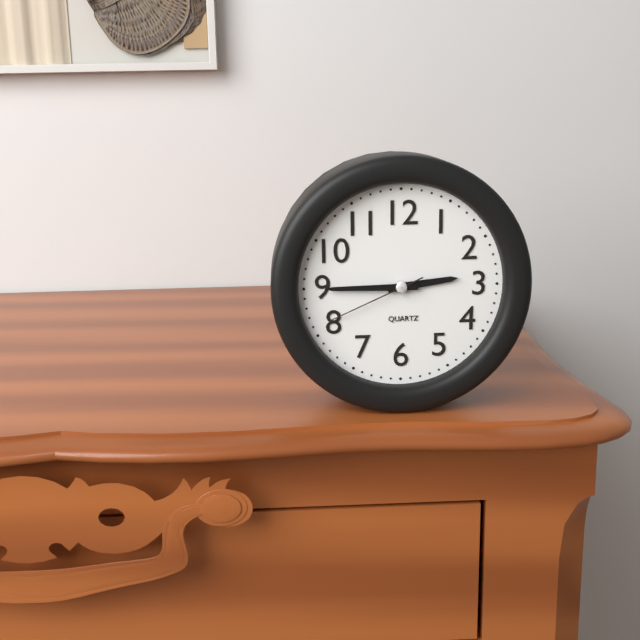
2h45m41s
